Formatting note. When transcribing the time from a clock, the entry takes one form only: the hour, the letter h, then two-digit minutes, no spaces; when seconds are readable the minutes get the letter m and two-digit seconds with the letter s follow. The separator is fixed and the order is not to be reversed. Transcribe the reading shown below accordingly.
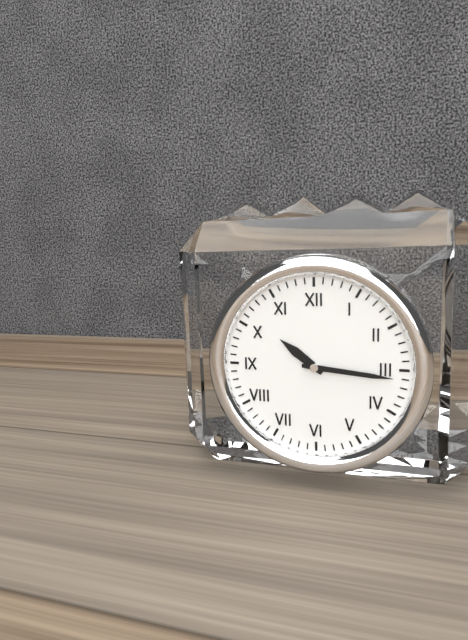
10h16
